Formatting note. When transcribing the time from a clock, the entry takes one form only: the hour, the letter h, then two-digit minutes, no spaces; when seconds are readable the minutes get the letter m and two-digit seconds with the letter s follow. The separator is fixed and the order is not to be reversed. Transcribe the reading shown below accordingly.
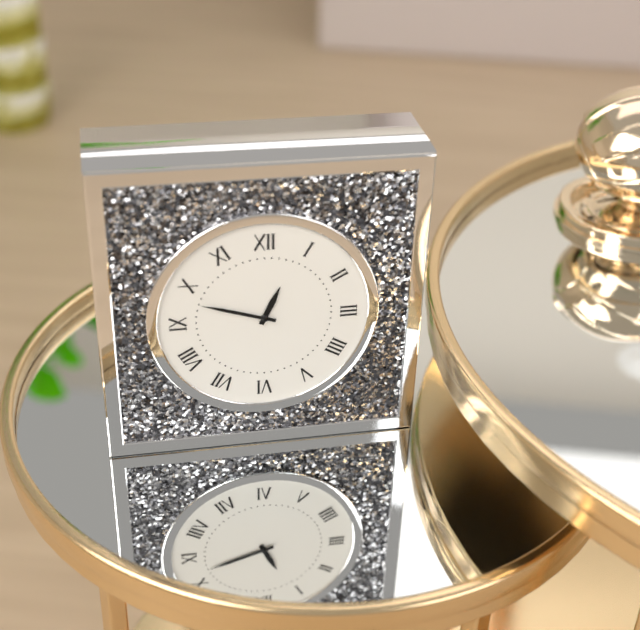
12h48
